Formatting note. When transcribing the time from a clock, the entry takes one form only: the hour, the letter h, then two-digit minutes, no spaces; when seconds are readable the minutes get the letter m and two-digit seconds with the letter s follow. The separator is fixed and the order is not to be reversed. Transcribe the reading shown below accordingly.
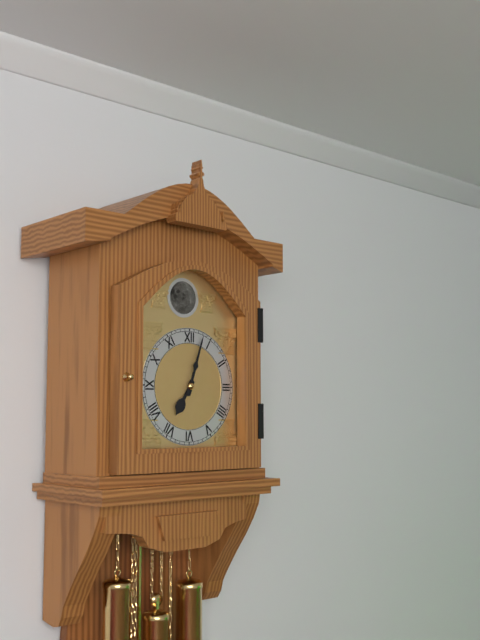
7h03
